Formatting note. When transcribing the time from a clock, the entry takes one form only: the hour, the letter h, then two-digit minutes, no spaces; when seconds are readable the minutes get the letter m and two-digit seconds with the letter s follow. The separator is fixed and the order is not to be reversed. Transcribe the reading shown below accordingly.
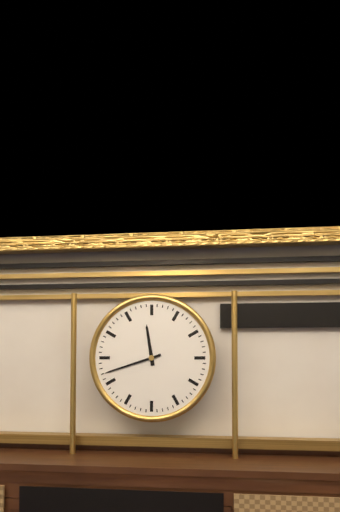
11h42
